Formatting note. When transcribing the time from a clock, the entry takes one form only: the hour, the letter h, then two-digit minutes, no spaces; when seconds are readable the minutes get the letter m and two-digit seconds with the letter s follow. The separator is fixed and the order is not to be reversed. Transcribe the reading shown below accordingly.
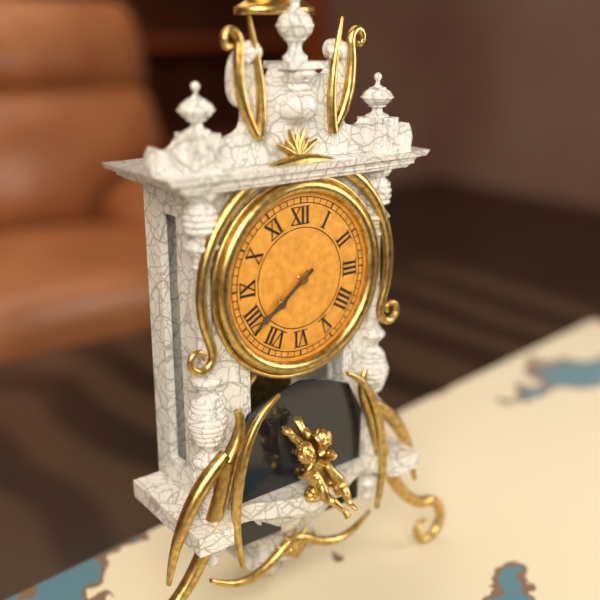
7h39
